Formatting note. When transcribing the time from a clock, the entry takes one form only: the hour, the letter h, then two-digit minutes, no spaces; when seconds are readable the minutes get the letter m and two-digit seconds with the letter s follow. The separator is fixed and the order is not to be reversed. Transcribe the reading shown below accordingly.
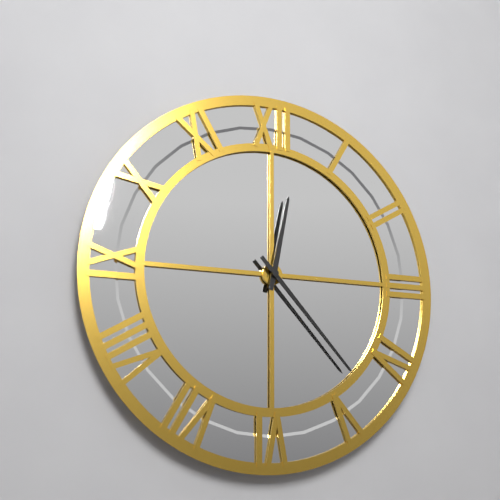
12h23
